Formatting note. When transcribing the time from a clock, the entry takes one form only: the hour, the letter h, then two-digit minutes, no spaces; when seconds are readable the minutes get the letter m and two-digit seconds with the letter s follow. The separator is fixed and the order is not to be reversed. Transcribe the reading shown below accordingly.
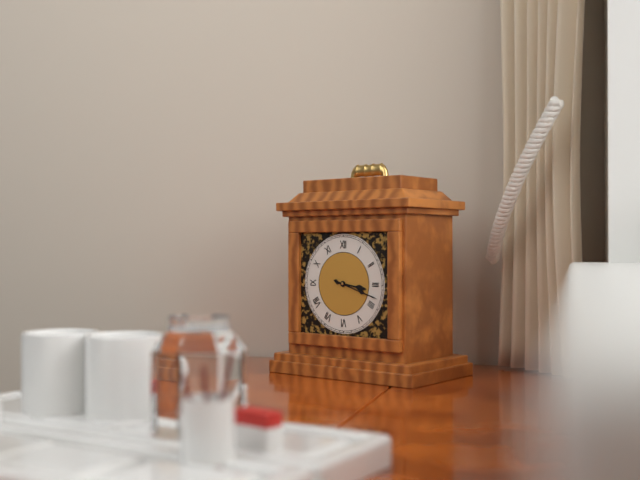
3h18
